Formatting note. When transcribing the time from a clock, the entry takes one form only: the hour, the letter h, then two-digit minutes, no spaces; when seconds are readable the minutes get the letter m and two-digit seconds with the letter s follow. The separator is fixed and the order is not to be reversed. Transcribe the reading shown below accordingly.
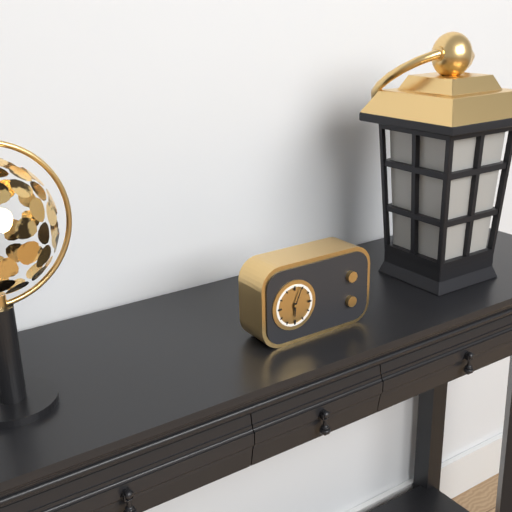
6h04
